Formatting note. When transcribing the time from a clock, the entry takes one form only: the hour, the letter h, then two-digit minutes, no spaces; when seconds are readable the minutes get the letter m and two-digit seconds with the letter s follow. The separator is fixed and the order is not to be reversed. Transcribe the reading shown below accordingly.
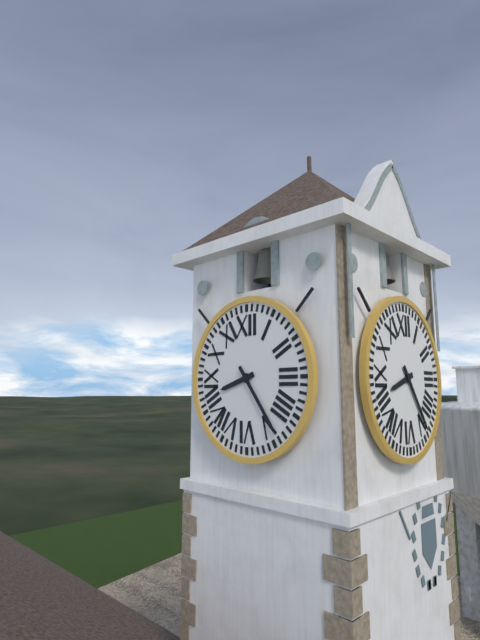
8h24
